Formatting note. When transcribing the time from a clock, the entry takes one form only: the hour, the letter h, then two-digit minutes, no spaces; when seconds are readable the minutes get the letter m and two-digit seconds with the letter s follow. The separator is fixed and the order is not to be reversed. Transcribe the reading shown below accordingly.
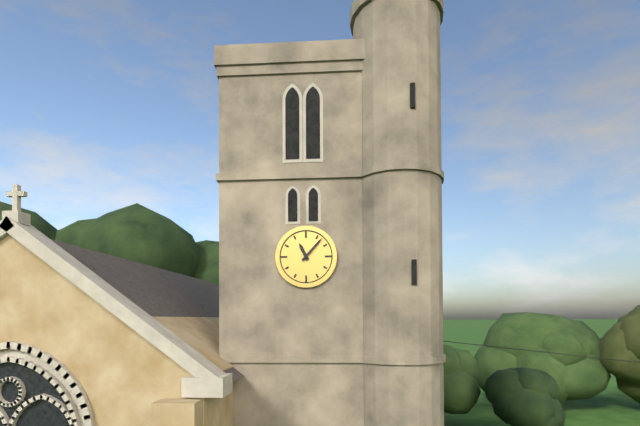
11h07
